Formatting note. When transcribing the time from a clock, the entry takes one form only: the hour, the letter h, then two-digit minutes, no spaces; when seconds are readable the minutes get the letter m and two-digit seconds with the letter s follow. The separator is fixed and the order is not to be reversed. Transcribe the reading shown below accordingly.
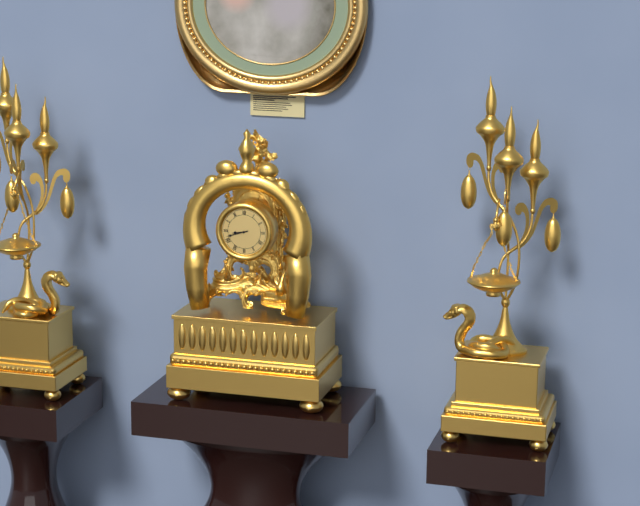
8h42
